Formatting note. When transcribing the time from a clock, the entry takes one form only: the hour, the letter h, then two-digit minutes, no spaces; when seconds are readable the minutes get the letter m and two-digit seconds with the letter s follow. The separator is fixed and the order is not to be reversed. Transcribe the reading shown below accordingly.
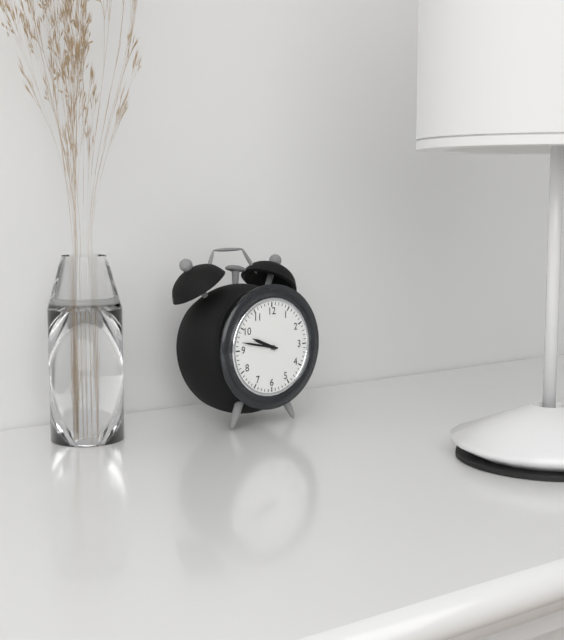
9h47
